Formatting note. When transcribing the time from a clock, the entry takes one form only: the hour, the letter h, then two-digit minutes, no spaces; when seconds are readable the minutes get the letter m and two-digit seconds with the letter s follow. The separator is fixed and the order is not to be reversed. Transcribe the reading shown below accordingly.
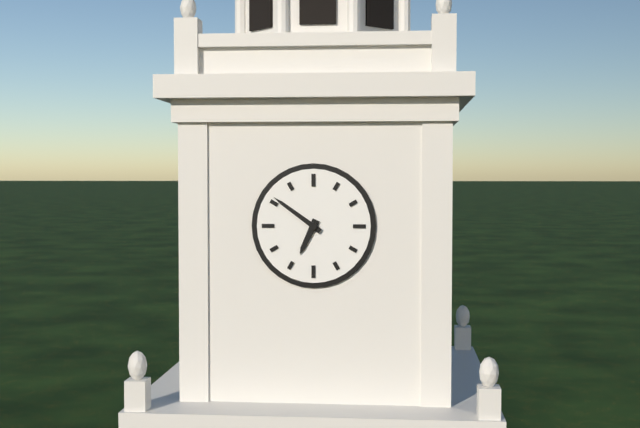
6h51
